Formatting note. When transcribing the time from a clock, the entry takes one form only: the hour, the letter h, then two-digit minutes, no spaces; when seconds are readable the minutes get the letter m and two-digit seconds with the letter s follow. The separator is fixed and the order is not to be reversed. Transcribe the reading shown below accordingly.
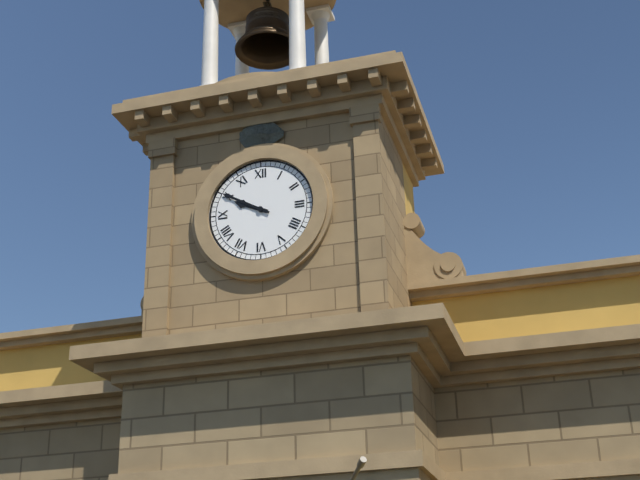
9h50
